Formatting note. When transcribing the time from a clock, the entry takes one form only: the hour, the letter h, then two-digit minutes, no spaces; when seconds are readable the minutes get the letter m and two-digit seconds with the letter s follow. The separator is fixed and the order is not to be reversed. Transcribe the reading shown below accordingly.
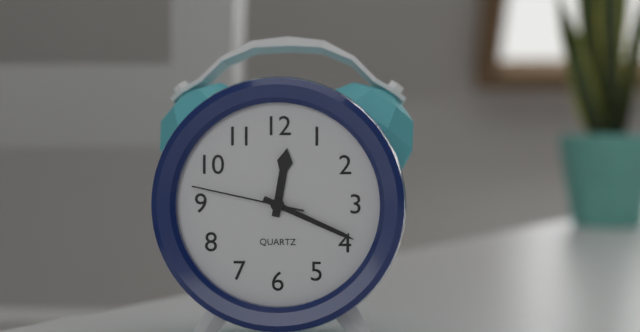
12h19m47s
